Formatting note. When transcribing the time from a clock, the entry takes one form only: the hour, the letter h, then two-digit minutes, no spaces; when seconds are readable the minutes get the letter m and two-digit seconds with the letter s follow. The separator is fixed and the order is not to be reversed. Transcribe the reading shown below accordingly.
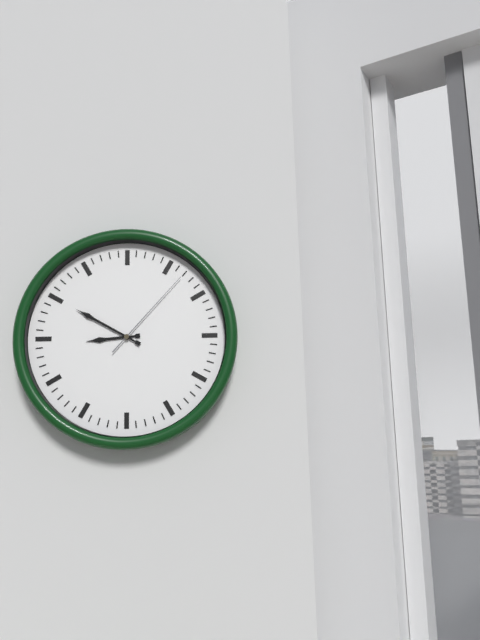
8h50m07s
